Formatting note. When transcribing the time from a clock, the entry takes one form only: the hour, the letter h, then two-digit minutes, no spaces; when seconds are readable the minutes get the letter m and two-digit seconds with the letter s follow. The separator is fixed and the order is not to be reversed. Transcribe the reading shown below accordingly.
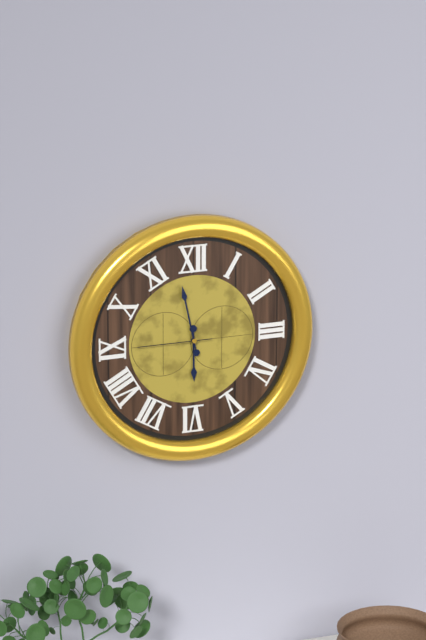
5h58m45s
